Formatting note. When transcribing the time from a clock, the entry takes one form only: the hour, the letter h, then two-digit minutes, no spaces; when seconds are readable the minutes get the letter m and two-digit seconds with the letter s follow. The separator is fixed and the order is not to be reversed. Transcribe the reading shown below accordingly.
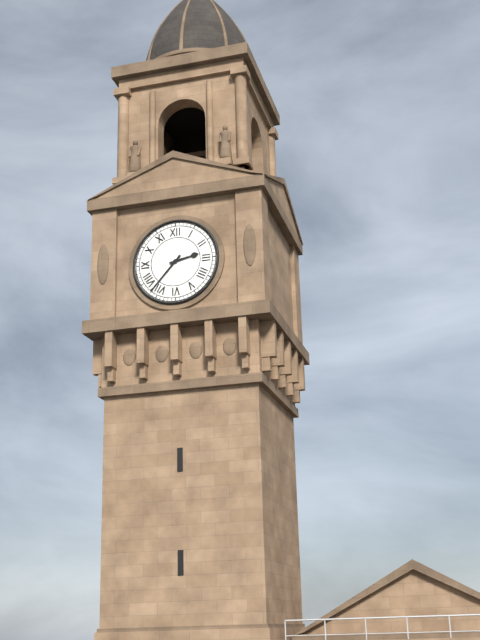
2h37
